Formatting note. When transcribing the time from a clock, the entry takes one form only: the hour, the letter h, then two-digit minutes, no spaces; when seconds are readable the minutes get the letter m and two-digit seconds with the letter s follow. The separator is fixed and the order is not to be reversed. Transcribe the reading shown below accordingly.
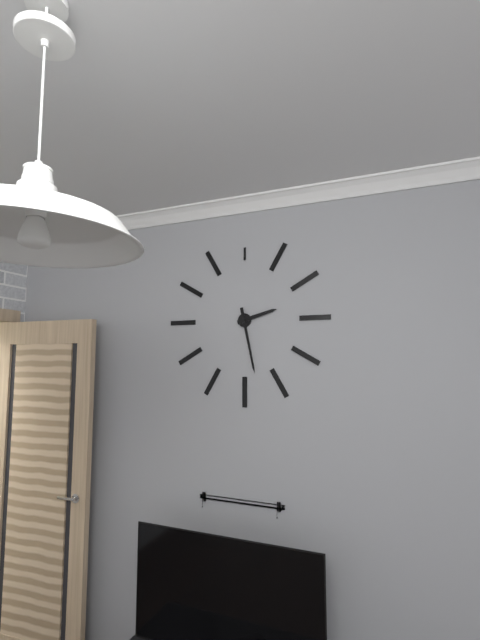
2h28
